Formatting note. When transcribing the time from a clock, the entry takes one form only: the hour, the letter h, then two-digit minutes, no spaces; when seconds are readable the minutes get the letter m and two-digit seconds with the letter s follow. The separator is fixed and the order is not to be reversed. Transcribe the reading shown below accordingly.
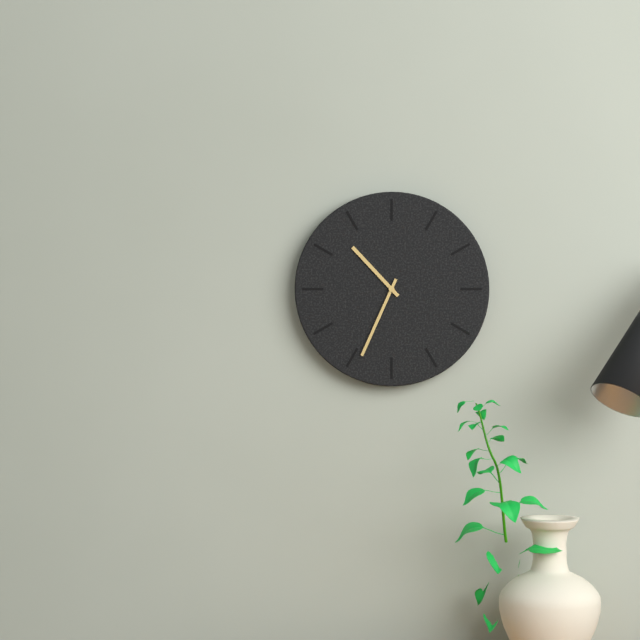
10h34
